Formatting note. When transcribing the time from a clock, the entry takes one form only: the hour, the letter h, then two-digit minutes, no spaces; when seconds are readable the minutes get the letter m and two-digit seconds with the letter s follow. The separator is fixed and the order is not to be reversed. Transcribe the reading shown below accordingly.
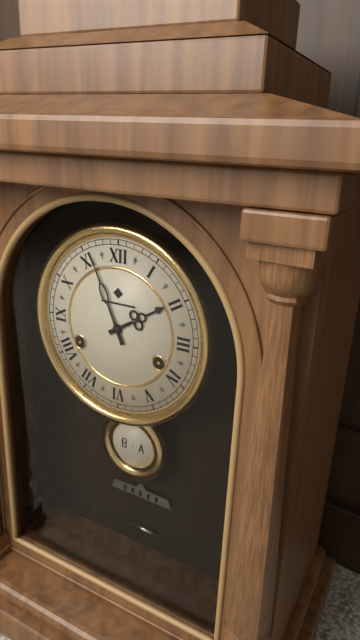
1h56
